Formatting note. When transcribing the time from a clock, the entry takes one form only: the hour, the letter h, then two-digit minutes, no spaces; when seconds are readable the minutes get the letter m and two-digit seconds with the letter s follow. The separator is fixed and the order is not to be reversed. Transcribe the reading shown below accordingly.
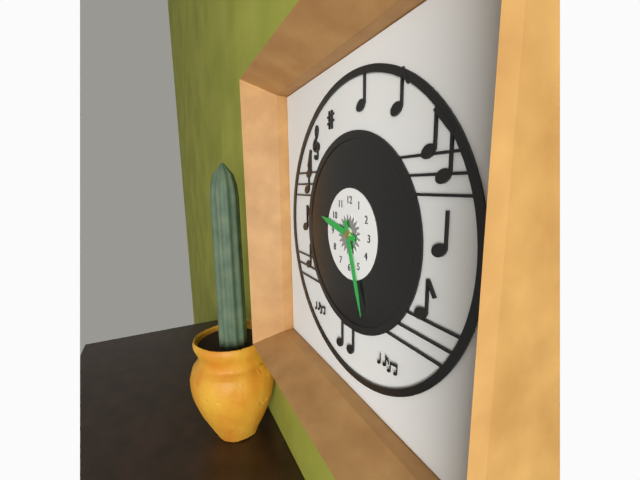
9h27
